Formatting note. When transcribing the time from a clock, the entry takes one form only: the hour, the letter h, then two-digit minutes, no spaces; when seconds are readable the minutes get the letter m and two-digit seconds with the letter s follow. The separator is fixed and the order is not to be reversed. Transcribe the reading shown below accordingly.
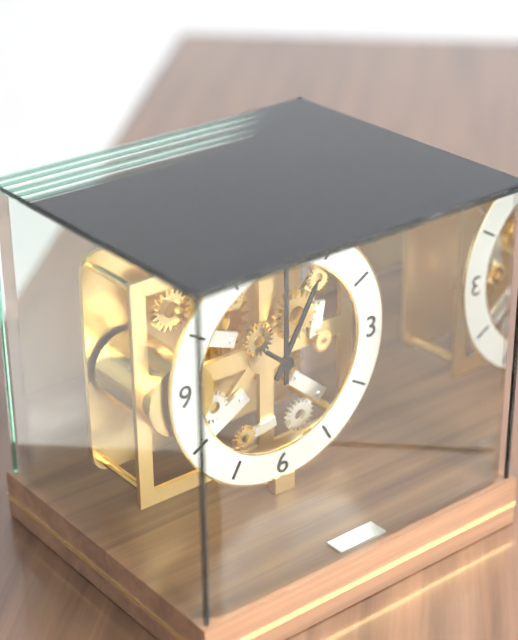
1h00
